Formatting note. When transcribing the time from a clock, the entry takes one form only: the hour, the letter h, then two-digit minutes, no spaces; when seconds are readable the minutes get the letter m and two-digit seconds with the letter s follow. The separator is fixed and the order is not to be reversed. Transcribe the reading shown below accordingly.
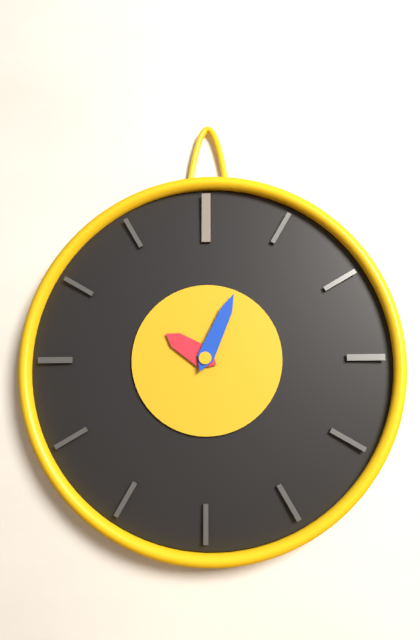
10h04
